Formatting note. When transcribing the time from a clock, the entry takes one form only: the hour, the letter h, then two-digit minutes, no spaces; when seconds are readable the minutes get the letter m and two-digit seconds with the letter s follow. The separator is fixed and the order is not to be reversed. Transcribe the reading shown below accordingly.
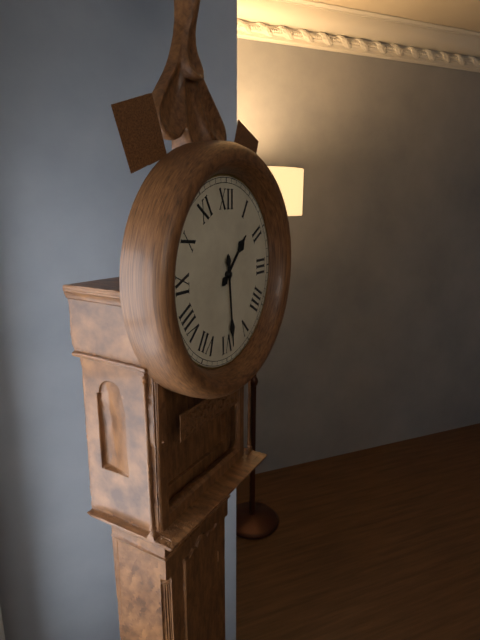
1h29
